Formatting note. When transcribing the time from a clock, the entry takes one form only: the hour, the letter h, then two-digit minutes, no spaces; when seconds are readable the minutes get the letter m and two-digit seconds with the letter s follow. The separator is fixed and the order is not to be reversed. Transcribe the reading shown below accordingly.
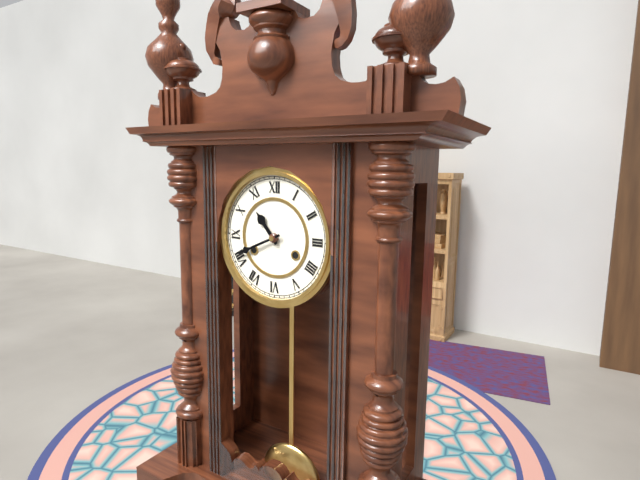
10h41
